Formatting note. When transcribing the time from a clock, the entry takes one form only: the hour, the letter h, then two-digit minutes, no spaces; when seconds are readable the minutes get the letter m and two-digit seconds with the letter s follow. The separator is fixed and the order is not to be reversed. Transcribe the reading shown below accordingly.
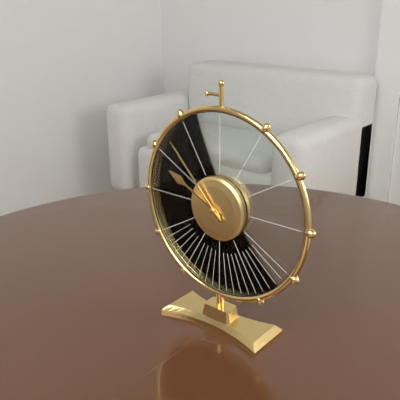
9h53
